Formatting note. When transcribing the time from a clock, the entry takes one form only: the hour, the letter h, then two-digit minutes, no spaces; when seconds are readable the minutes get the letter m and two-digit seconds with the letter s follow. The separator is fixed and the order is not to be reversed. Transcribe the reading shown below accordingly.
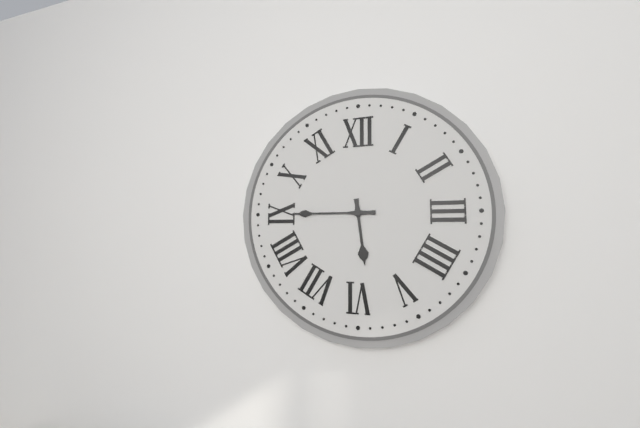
5h45
